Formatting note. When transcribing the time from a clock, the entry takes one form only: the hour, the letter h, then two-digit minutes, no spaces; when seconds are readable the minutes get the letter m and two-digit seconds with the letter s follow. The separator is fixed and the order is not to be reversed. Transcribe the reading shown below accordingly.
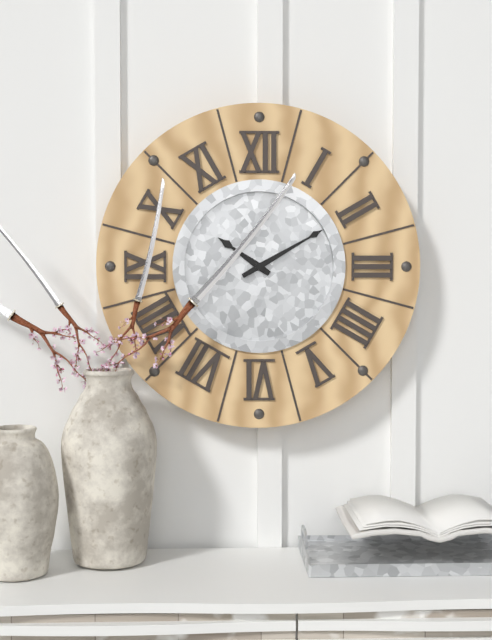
10h10
